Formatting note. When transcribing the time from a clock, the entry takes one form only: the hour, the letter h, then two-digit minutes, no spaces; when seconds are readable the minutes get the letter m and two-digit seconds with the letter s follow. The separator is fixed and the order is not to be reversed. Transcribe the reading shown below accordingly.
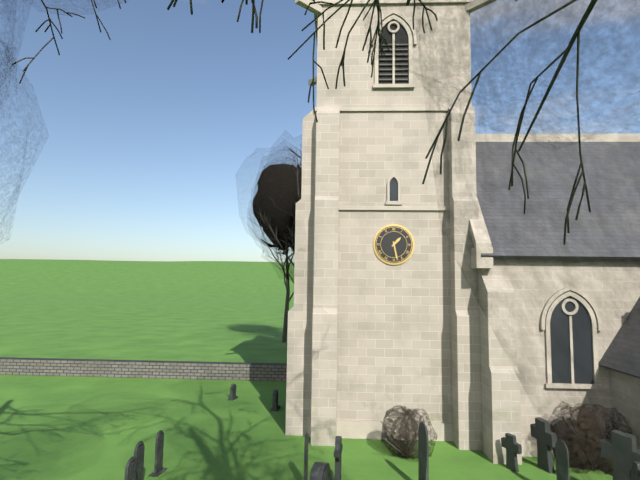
1h28
